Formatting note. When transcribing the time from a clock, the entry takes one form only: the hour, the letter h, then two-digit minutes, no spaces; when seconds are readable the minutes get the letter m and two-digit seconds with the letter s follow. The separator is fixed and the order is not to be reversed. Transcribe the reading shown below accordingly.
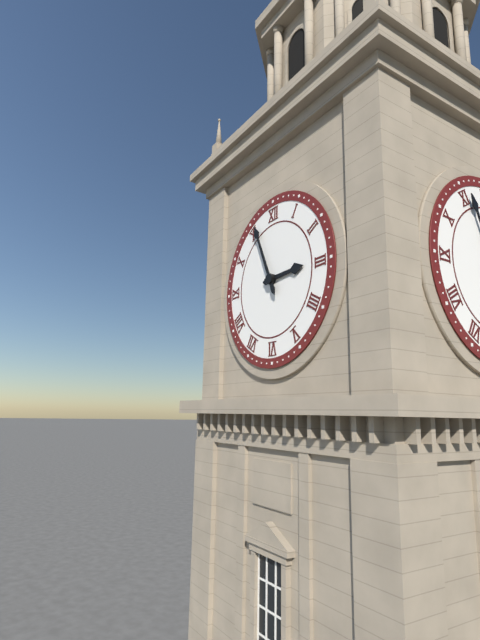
2h56
